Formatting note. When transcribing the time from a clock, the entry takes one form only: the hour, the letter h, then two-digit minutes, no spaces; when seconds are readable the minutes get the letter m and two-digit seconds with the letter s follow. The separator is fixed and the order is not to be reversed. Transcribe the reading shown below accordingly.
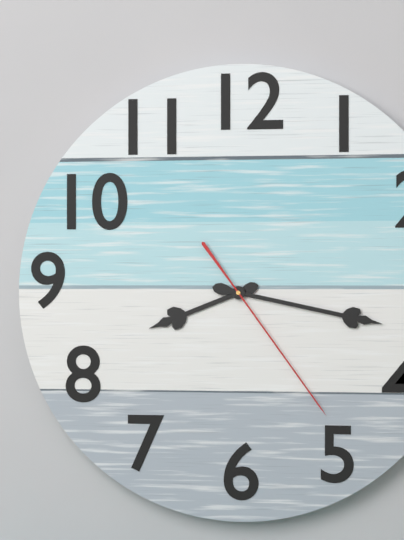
8h17m24s
